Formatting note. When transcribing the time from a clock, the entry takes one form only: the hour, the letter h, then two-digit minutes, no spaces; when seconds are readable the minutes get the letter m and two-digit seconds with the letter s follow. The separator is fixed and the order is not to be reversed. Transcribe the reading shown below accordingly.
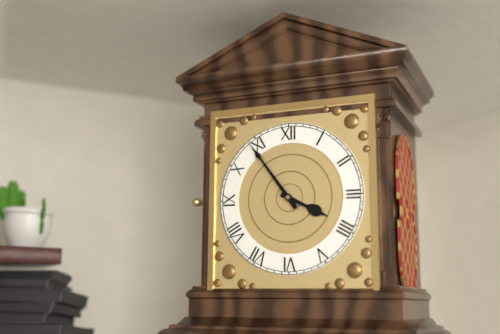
3h54
